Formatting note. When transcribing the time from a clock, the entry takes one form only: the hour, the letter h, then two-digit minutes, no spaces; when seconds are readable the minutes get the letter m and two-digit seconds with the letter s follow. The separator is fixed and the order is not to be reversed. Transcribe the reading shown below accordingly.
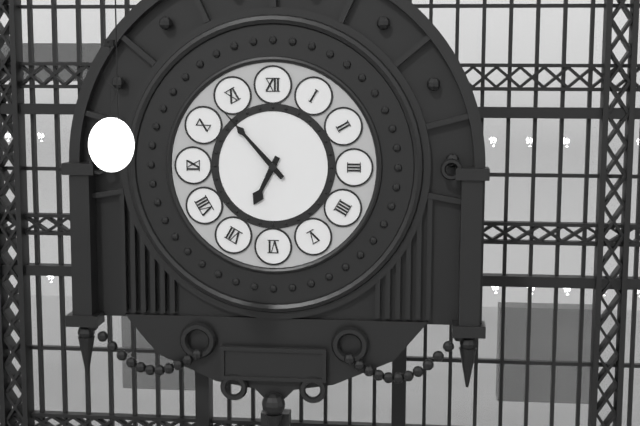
6h53
